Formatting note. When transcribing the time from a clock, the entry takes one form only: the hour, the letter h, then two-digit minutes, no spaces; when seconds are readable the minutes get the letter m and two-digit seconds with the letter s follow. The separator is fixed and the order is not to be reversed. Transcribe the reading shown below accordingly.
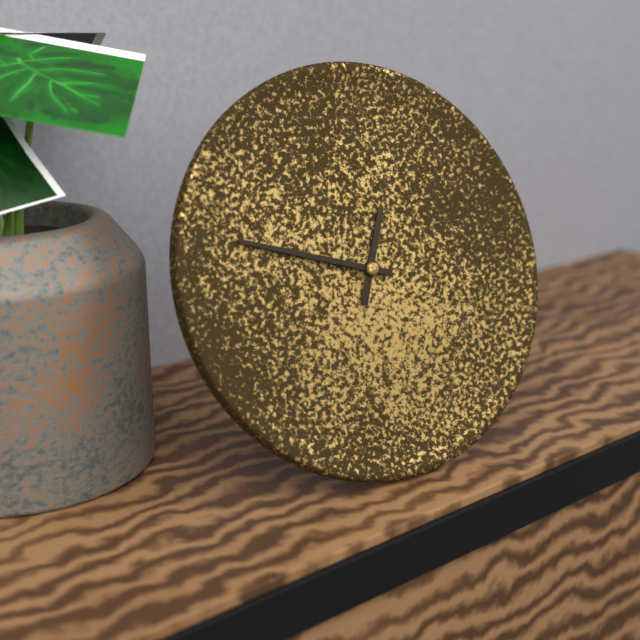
12h48
